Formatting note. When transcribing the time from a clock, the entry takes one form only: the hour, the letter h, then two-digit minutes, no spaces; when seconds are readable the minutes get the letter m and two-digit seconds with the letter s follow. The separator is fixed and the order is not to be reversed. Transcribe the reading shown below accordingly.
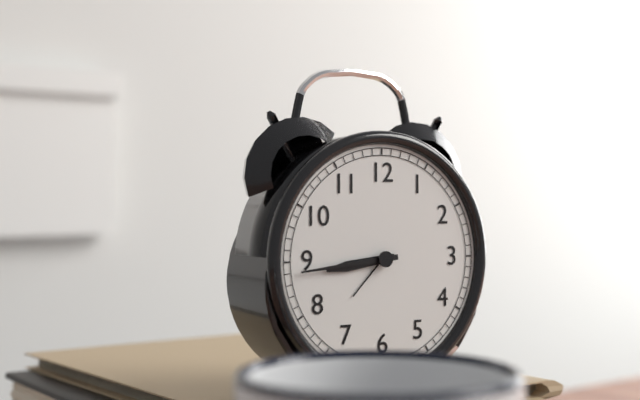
8h44
